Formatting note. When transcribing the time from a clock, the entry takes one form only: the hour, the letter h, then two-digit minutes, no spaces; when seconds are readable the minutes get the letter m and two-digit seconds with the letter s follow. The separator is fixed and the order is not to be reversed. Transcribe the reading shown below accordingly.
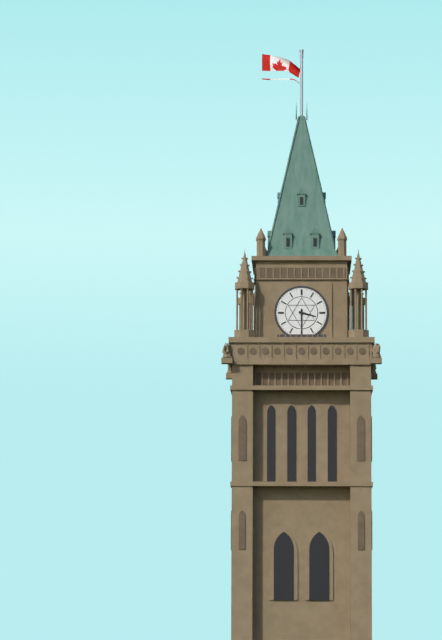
3h30
